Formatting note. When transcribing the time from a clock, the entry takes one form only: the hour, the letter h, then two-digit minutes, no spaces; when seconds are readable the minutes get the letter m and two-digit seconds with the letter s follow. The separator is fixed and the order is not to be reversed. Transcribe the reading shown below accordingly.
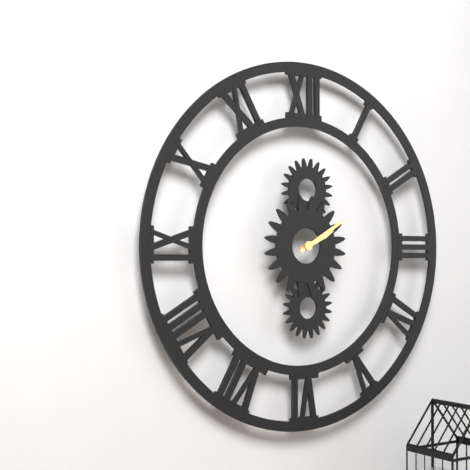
2h10
